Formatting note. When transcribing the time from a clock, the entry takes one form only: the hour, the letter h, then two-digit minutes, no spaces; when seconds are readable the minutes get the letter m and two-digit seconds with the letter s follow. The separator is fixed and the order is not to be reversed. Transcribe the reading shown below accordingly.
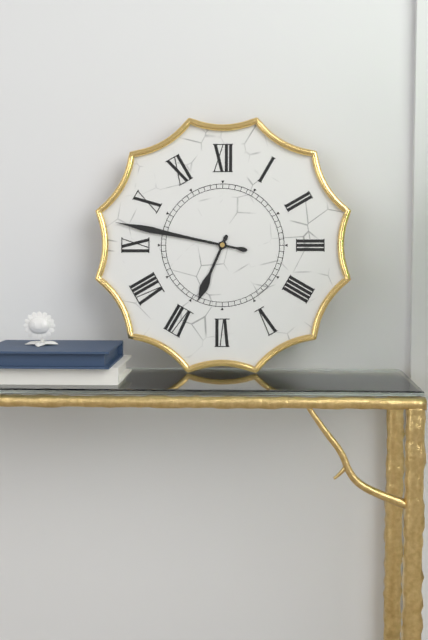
6h47
